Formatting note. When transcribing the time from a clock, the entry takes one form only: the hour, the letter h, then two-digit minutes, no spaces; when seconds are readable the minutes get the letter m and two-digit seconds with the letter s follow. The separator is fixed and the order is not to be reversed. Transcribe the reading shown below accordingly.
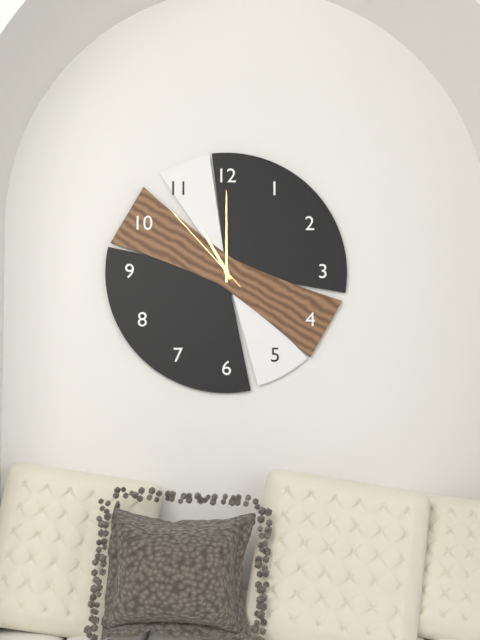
11h00m53s
